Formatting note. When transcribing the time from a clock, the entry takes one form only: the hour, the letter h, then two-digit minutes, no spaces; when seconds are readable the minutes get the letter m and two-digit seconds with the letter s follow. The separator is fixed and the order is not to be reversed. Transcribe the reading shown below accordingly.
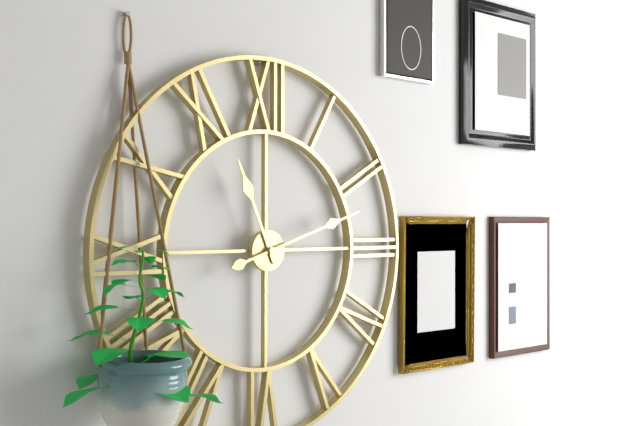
11h12
